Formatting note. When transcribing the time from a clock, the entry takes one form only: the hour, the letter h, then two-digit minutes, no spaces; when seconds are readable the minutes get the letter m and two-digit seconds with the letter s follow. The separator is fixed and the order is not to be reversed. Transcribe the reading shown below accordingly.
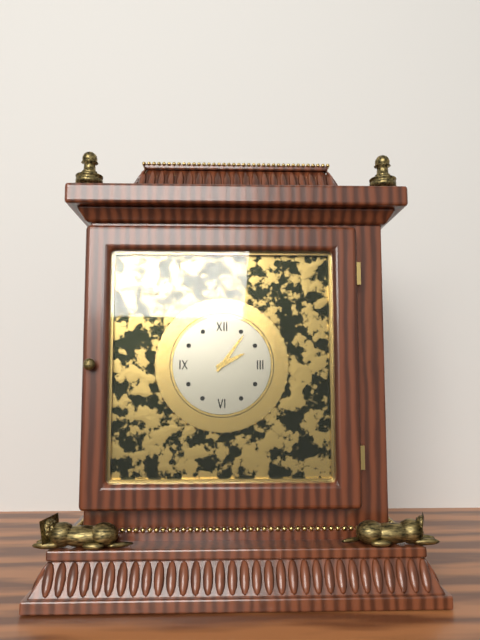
2h06
